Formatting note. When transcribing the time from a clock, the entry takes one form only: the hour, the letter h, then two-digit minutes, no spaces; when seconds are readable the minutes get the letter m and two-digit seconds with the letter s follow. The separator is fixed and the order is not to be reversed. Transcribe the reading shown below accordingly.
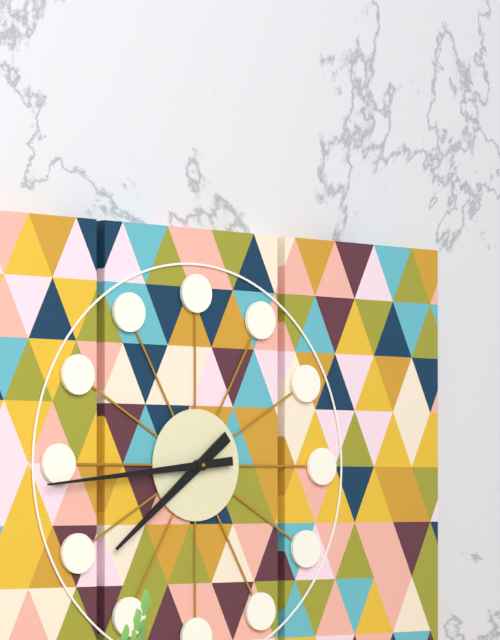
7h44
